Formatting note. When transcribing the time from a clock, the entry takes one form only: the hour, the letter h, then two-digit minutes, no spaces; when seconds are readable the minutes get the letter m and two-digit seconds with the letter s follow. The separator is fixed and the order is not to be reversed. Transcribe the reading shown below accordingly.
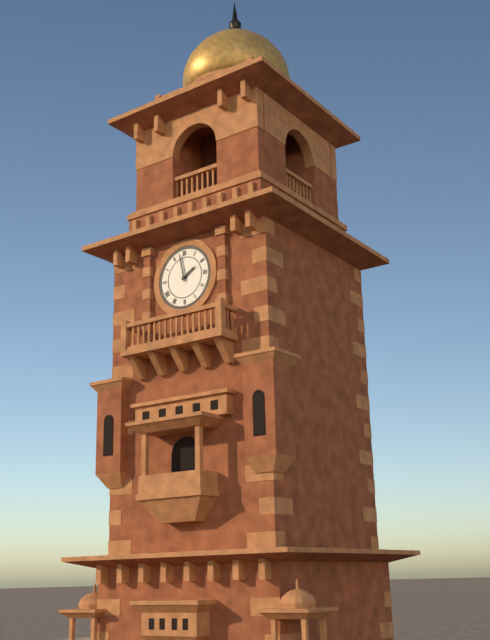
1h58
